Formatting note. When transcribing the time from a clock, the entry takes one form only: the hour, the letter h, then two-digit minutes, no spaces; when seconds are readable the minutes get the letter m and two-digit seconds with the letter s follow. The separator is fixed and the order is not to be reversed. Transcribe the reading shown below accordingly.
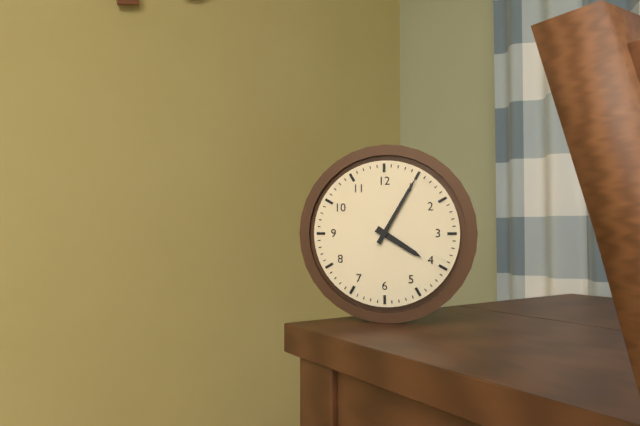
4h05
